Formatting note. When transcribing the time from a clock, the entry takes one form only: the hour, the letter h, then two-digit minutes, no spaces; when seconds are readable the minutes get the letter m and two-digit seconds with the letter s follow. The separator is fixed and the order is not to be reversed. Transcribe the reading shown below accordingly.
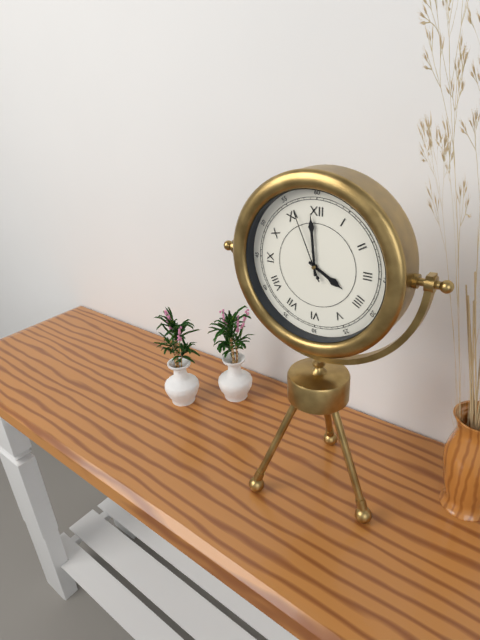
3h59m56s
